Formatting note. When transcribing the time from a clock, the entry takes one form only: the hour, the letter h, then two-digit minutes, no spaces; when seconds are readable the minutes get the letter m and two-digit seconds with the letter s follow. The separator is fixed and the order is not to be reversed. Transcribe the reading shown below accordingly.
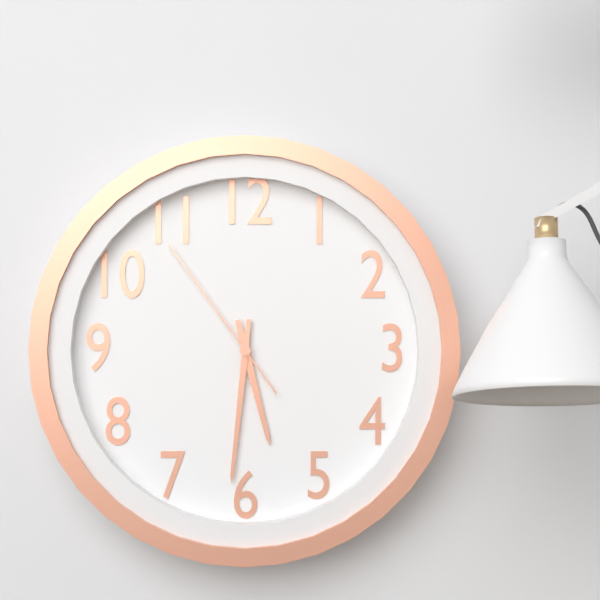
5h31m54s
